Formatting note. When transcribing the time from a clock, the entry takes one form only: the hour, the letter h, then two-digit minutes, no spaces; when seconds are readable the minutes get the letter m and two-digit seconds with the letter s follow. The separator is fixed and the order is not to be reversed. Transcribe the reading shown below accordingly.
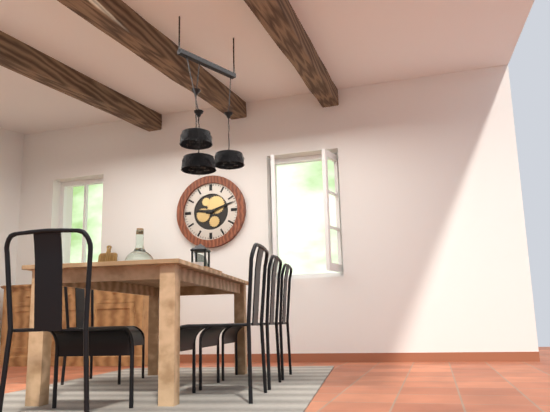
9h12
